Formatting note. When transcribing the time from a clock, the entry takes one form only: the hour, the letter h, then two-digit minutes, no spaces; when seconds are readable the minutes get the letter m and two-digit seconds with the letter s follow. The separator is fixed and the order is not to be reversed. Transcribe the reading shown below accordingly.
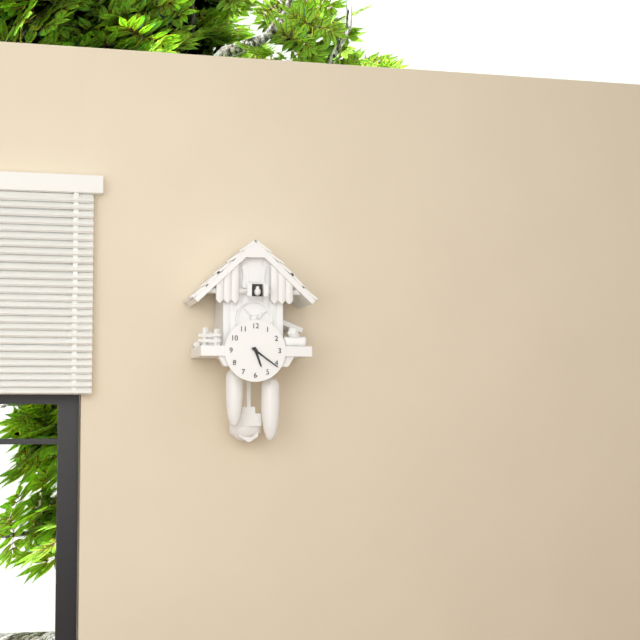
5h21
